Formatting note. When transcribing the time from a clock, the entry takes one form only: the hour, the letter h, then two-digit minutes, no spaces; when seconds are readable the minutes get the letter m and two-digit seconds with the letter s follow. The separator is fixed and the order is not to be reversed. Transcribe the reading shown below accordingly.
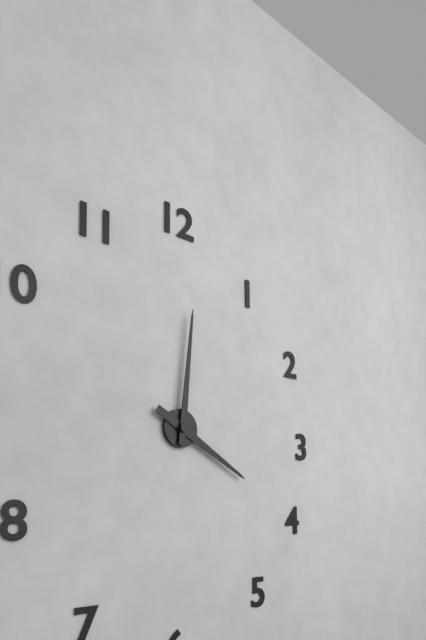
4h01
